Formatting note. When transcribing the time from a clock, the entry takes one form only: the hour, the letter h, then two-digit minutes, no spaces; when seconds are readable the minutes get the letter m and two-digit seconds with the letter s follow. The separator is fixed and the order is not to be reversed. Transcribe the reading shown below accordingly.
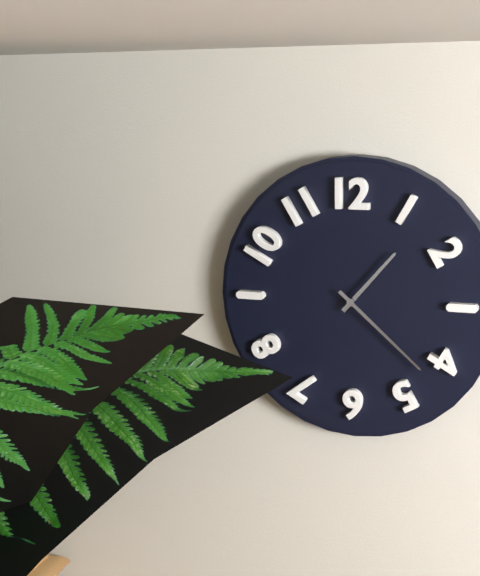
1h22
